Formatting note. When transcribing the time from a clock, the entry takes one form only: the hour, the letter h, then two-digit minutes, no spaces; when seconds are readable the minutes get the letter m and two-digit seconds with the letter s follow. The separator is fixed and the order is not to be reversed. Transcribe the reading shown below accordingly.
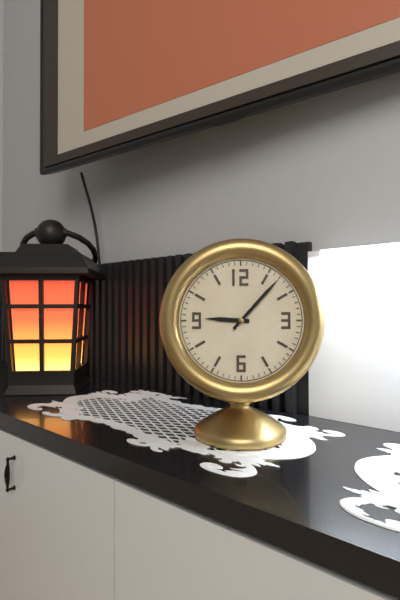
9h07
